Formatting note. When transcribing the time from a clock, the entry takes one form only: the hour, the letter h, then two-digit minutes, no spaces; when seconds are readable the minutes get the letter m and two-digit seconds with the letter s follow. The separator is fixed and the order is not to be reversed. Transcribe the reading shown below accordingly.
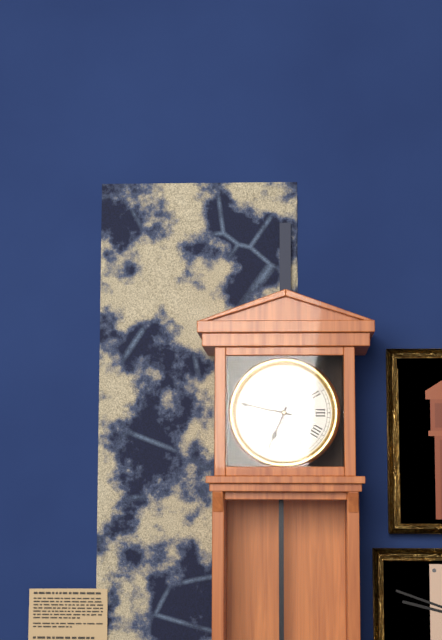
6h47m01s
